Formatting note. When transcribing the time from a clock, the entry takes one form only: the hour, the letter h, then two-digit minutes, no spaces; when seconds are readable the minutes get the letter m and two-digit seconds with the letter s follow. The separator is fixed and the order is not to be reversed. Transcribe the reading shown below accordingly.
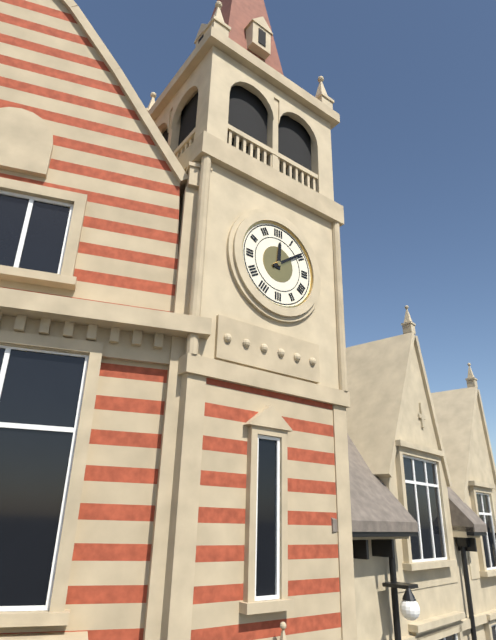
12h09
